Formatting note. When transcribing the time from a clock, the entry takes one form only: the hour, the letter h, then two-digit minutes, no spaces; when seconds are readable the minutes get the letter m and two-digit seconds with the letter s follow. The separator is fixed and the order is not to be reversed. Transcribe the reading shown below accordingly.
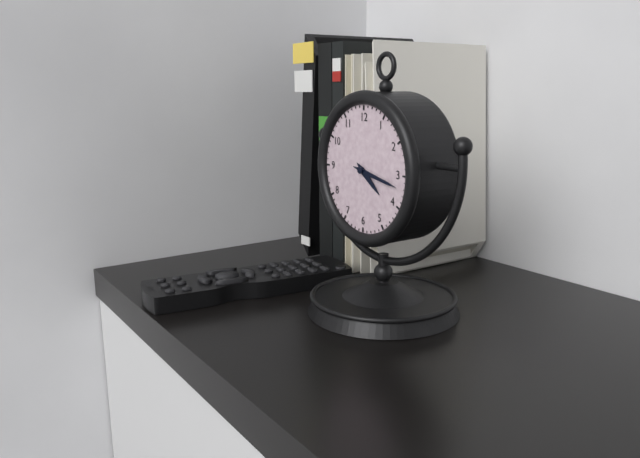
4h17
